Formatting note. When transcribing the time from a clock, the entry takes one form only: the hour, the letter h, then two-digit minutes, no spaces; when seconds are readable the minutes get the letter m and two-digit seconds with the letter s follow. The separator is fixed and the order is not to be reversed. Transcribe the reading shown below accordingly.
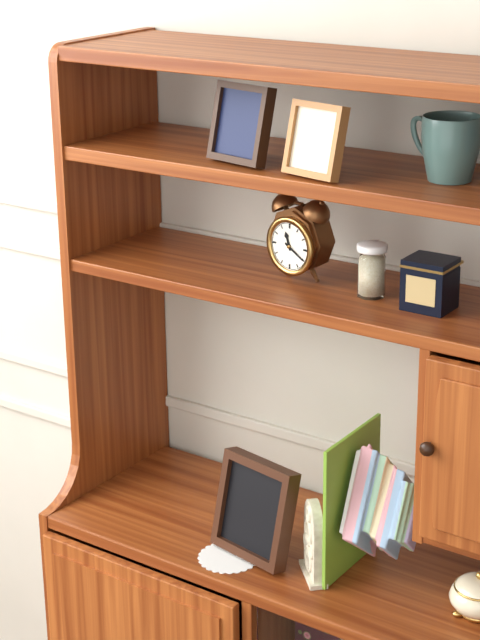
11h20
